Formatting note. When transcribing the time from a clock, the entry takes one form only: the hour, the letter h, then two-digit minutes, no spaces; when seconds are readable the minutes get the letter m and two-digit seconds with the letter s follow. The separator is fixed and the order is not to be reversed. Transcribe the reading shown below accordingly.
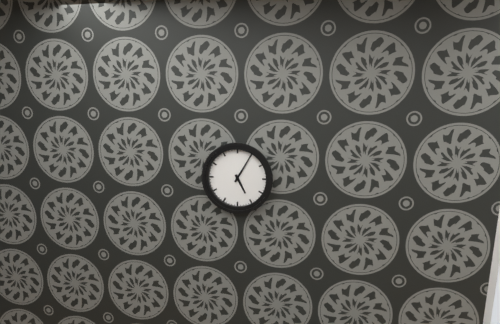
5h05
